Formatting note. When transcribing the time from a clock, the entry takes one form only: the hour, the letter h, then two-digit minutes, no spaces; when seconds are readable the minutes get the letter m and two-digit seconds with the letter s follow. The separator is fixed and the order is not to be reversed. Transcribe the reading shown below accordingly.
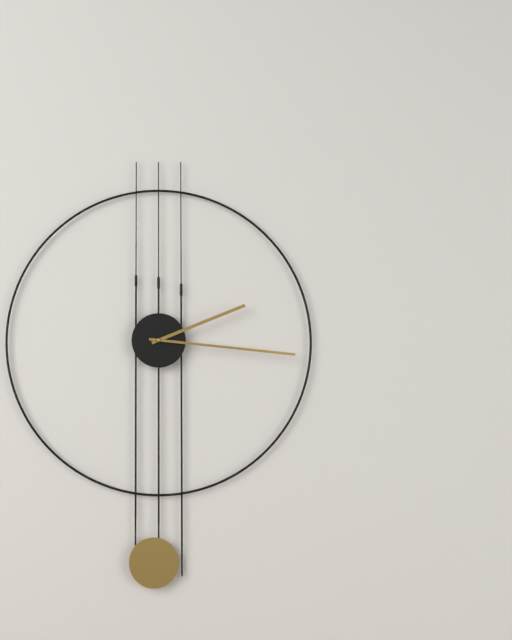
2h16
